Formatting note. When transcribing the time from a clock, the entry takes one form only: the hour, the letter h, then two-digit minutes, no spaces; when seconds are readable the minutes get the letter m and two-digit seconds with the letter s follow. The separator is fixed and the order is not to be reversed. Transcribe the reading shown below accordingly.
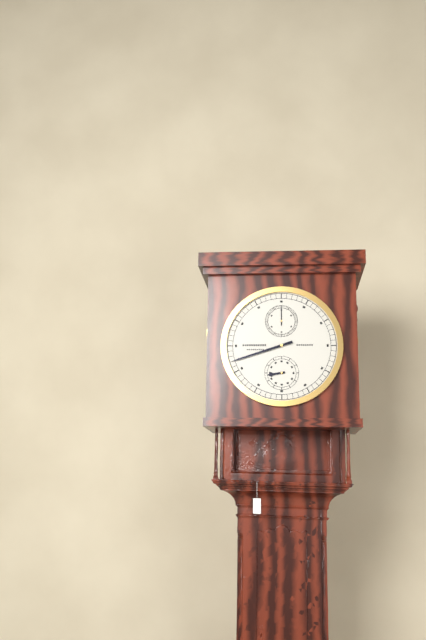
8h42
